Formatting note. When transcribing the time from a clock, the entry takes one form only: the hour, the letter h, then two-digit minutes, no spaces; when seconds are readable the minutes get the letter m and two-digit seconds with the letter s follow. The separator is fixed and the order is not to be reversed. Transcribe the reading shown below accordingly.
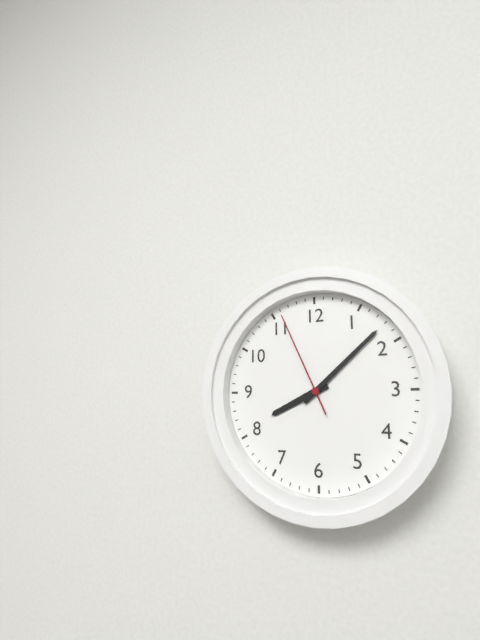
8h08m56s
